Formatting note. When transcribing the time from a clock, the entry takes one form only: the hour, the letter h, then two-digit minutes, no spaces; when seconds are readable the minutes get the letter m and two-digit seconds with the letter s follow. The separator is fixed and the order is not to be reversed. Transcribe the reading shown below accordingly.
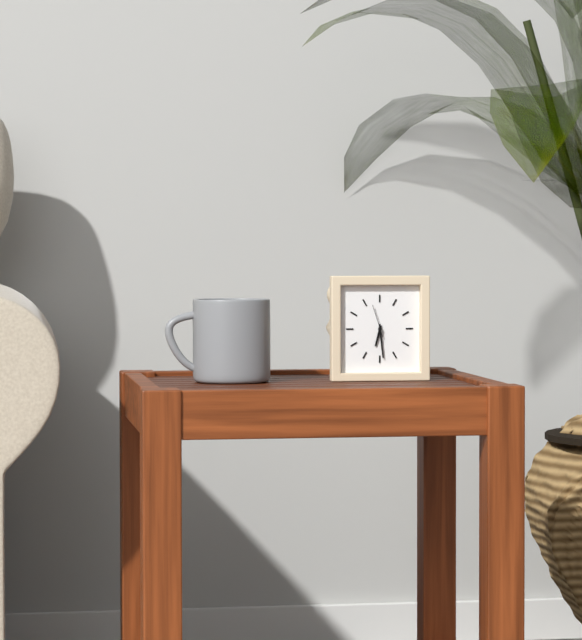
6h29
